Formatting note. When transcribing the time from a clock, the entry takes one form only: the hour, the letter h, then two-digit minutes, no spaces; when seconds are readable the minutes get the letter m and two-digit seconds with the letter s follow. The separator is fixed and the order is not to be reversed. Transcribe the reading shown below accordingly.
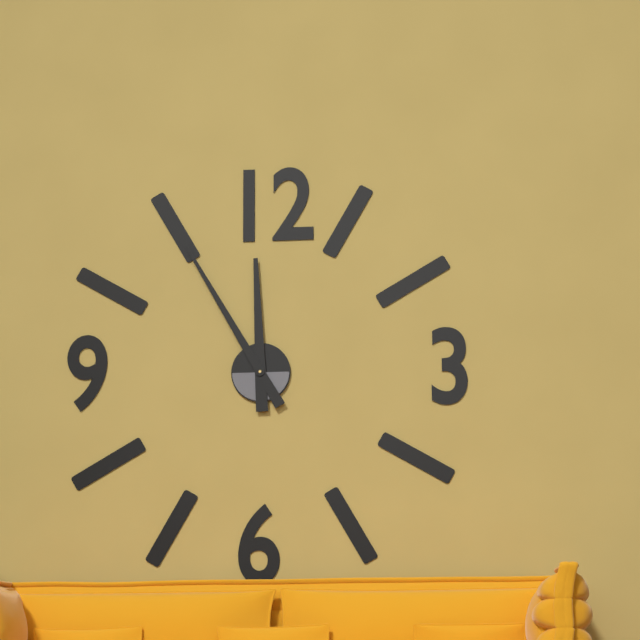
11h55
